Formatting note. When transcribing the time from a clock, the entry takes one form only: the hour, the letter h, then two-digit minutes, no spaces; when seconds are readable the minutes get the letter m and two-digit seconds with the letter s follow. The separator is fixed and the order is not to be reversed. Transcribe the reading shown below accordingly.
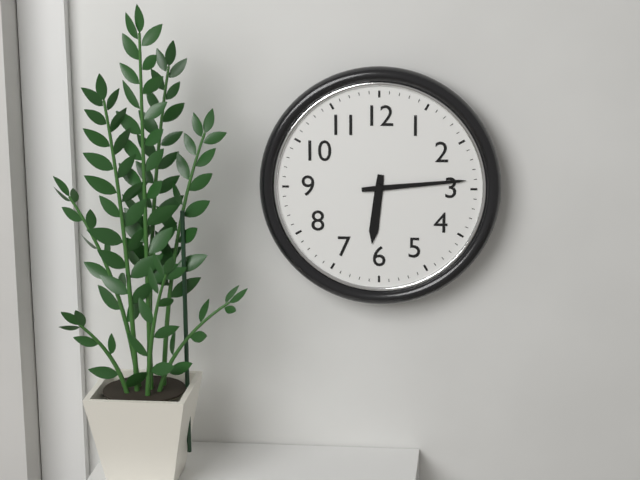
6h14
